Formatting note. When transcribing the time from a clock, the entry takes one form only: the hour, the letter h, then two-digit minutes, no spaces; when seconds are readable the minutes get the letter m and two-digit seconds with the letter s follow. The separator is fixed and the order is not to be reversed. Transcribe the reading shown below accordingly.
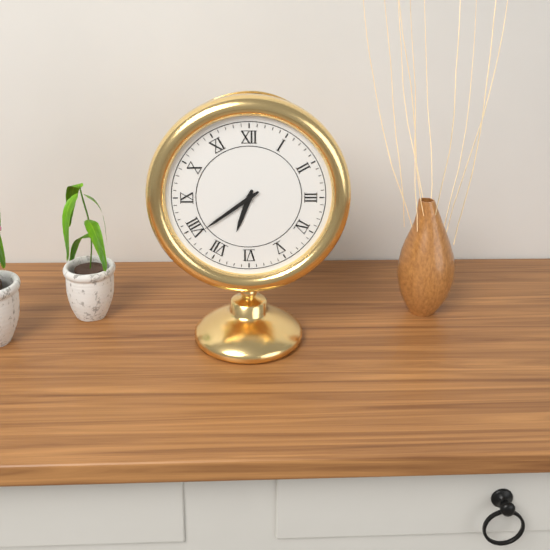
6h39
